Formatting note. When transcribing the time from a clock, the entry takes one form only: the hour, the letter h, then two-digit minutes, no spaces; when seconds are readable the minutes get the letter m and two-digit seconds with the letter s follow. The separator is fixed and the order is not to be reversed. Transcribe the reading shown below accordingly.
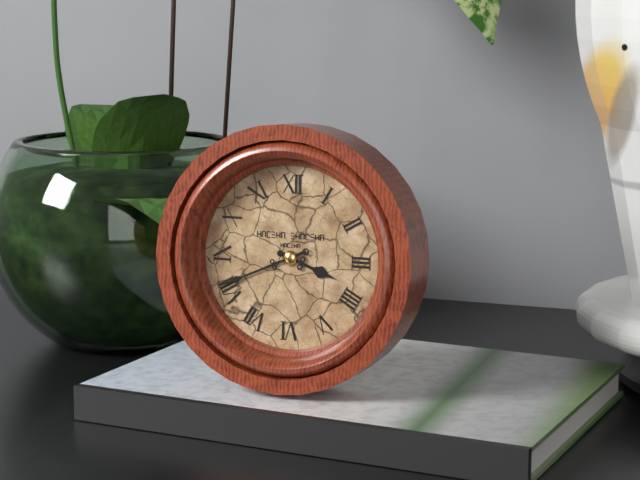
3h41
